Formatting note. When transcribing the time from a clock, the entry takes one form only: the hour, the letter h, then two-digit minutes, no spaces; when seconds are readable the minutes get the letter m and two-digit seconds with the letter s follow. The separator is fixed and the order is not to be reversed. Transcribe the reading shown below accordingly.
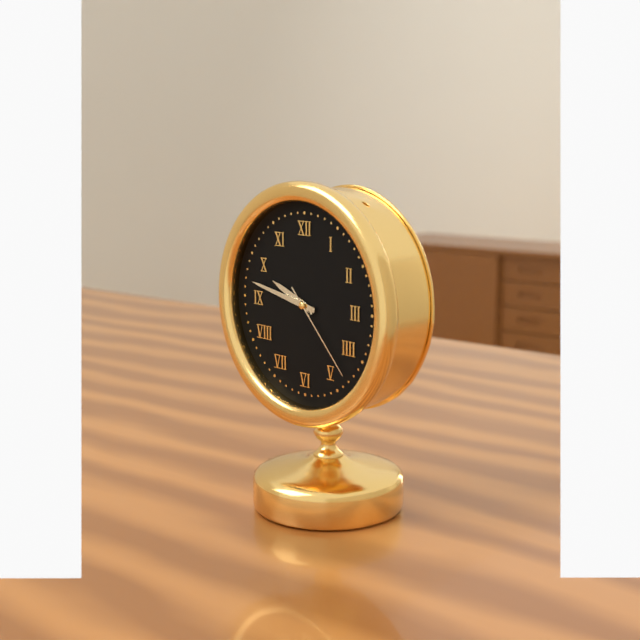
9h47m23s
